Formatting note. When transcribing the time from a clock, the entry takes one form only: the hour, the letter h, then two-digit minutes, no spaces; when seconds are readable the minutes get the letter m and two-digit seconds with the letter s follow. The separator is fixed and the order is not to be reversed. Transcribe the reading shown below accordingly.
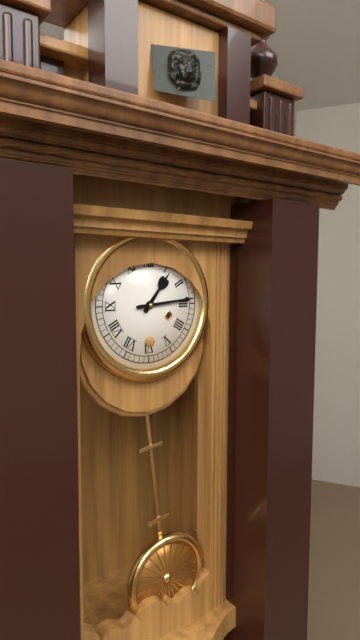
1h14
